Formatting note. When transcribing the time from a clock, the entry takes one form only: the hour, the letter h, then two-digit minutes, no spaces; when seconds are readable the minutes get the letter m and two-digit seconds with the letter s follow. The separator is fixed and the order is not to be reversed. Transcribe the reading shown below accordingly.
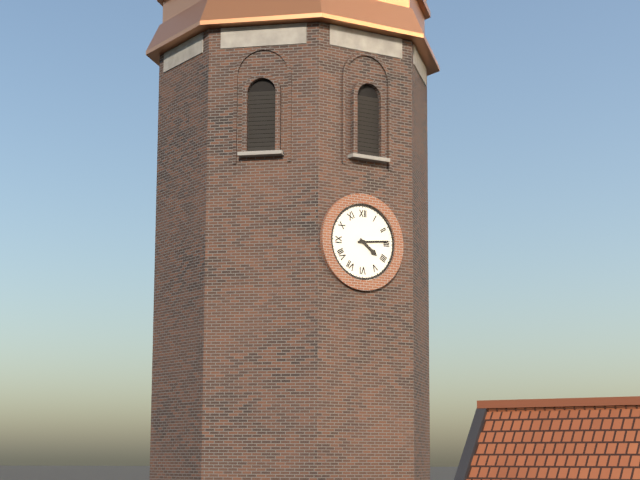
4h14
